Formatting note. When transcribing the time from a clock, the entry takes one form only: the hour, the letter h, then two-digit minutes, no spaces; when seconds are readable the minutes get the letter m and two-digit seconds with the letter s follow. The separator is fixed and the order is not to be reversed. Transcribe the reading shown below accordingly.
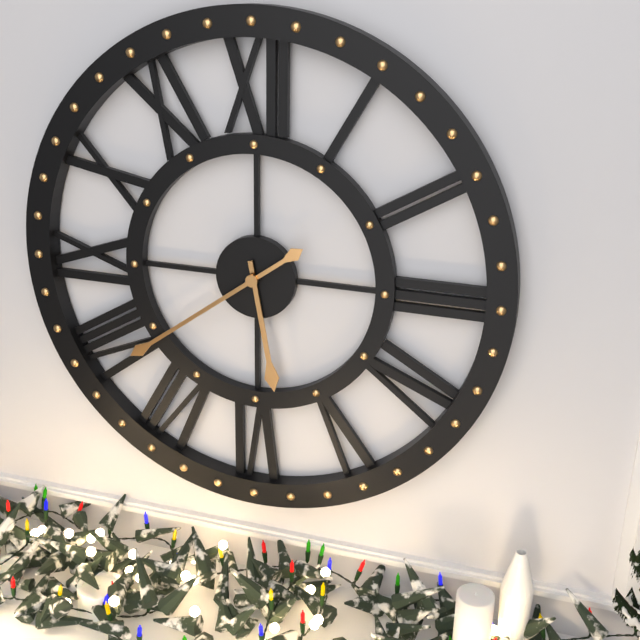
5h39
